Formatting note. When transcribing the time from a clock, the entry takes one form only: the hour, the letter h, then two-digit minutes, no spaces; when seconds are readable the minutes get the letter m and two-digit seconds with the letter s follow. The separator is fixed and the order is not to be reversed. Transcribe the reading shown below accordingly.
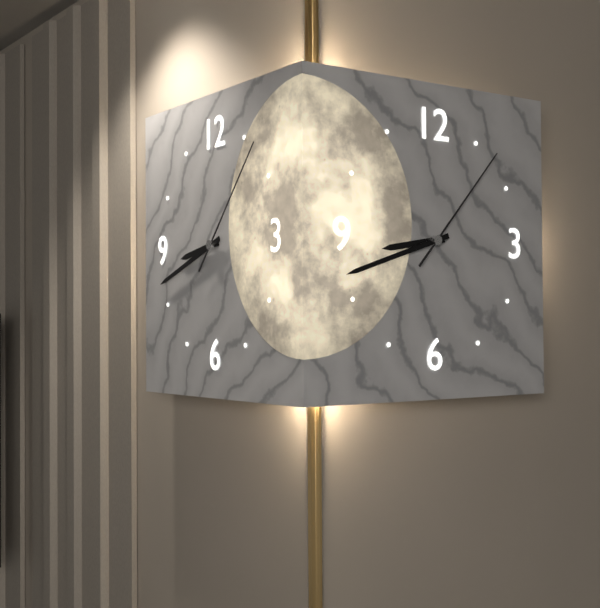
8h42m07s
